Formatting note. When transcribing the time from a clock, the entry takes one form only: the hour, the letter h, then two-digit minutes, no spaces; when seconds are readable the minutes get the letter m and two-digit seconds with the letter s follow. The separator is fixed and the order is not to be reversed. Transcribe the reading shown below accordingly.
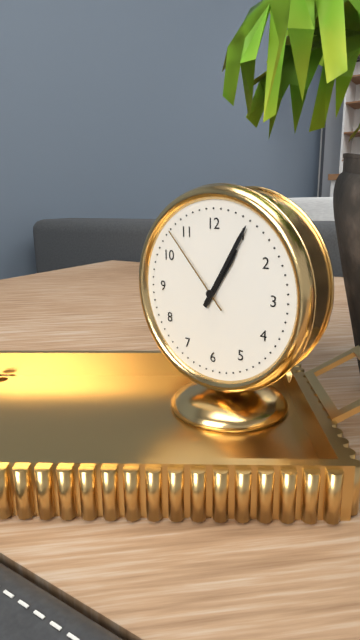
1h05m53s
